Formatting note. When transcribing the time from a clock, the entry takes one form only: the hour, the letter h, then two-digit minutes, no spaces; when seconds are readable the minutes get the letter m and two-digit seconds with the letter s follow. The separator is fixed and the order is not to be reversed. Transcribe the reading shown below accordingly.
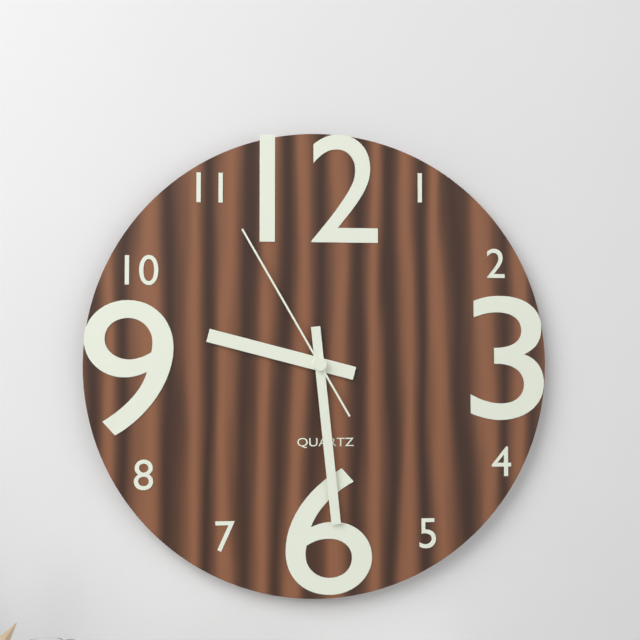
9h29m55s
